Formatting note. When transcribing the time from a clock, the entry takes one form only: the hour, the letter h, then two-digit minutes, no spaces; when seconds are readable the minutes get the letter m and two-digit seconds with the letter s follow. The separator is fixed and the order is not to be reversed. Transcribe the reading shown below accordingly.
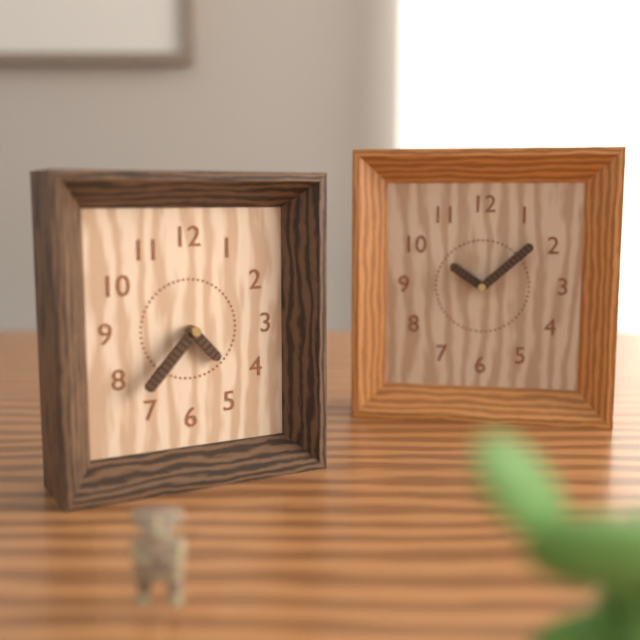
4h37
